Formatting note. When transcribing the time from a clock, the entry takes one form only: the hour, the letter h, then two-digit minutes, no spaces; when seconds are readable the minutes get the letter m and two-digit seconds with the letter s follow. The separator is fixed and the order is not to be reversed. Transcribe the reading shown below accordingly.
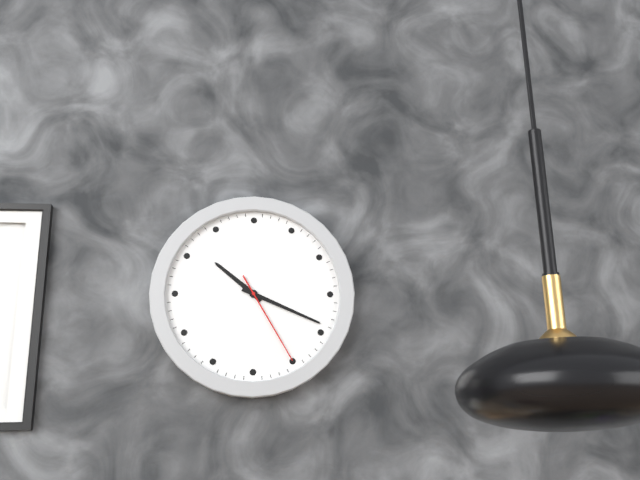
10h19m25s
